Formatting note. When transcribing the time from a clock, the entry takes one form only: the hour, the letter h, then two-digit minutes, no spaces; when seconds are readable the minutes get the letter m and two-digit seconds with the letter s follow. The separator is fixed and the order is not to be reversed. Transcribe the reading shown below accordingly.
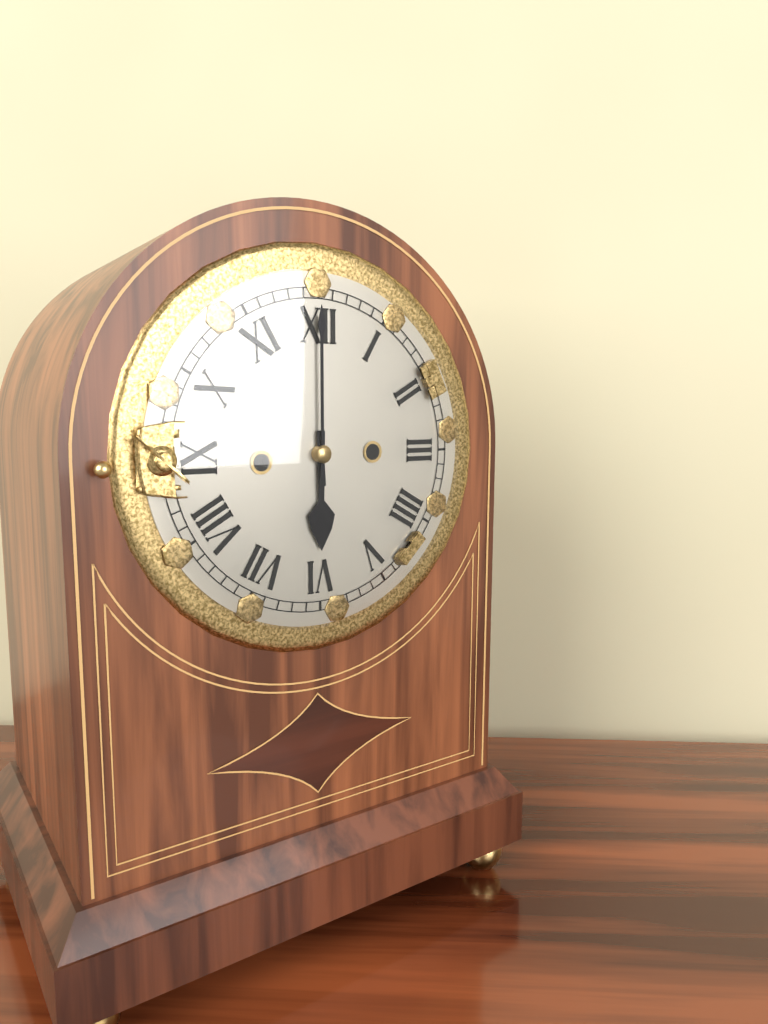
6h00
